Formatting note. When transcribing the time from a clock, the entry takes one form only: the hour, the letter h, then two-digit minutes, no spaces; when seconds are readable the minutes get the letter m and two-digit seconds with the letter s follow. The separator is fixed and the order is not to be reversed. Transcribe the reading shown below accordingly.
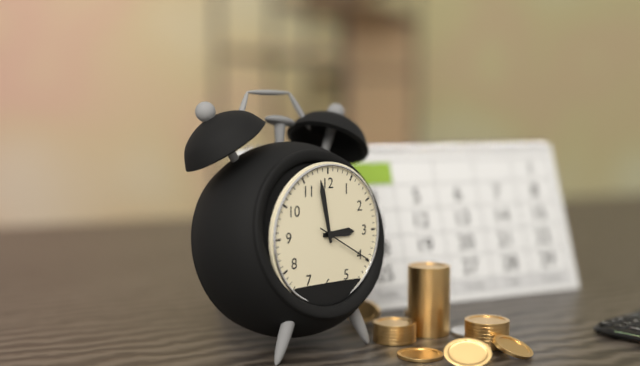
2h58m20s
